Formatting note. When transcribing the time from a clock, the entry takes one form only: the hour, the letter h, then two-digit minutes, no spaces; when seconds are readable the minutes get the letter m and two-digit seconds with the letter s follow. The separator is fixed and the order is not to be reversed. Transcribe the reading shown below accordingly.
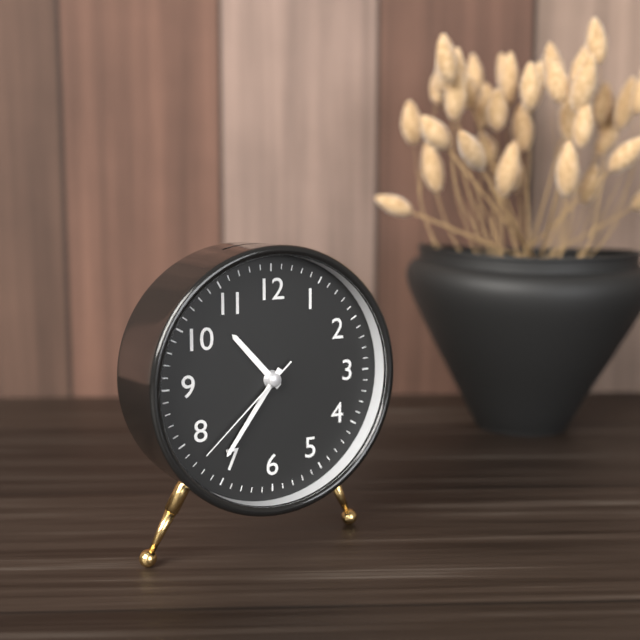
10h36m38s
